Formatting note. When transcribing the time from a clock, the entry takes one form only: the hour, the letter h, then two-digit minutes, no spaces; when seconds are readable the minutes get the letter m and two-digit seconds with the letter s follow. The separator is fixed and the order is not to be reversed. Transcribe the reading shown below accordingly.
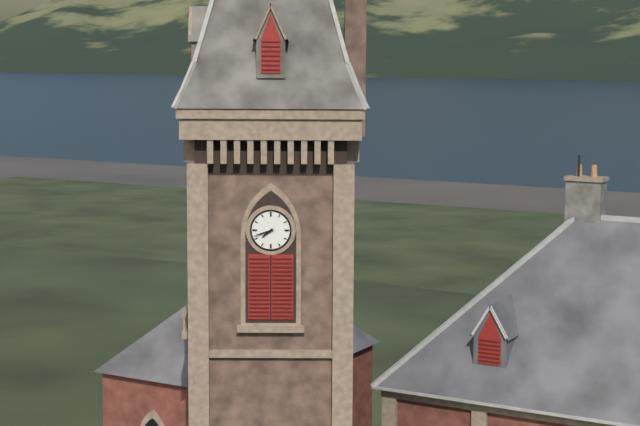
7h42
